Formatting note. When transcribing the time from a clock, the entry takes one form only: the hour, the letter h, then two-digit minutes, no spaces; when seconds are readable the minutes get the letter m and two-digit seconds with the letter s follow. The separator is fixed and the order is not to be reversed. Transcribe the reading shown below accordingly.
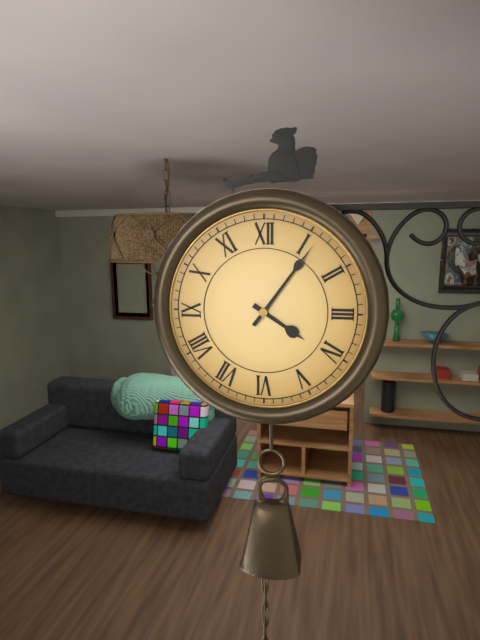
4h06
